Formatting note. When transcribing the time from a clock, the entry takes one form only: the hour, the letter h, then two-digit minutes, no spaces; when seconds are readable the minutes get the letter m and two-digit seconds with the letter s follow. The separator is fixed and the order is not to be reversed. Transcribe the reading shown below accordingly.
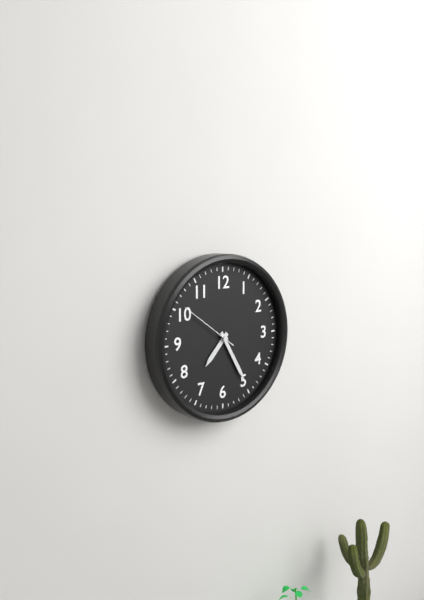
7h25m51s
